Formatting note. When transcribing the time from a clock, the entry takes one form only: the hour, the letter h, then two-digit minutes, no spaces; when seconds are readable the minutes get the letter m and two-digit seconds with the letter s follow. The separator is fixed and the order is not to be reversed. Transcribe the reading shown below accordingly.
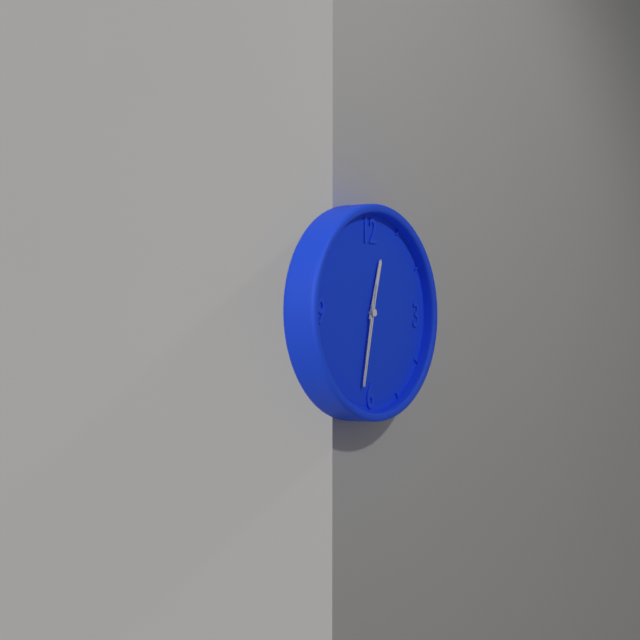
12h32m32s
